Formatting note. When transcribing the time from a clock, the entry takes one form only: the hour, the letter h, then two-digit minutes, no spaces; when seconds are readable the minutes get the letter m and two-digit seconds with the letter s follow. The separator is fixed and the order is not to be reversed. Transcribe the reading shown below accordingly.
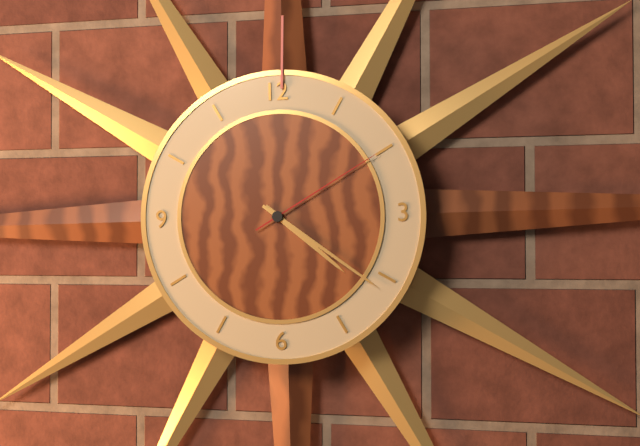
4h21m10s
